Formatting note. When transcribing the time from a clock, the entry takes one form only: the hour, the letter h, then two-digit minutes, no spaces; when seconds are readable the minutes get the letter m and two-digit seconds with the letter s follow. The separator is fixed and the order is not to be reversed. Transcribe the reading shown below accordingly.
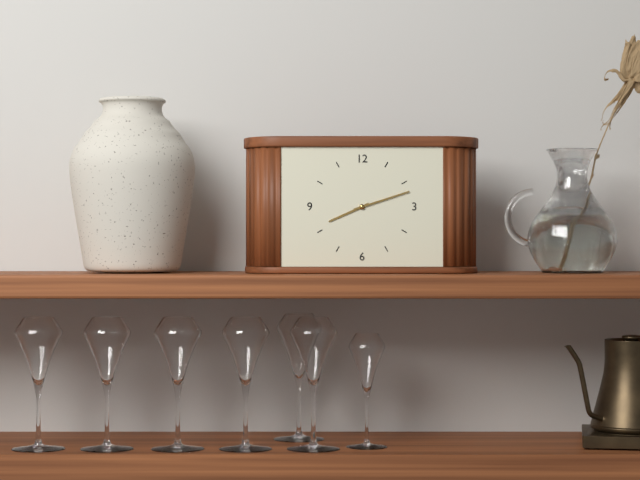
8h12
